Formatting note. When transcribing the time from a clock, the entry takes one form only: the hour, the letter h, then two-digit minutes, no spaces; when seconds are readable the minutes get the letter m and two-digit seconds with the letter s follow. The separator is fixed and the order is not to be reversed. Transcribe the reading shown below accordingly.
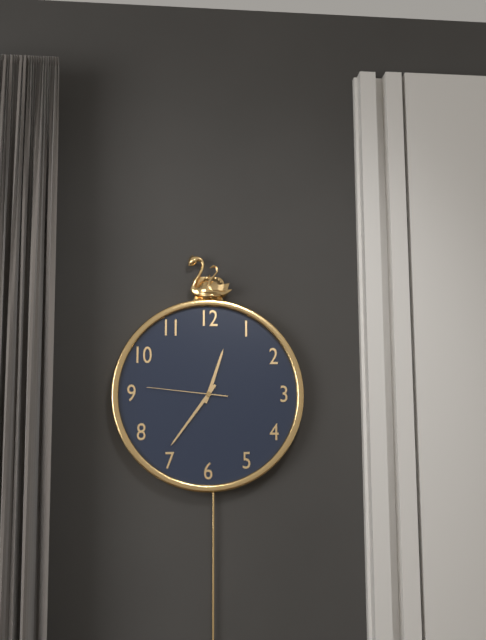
12h36m46s
